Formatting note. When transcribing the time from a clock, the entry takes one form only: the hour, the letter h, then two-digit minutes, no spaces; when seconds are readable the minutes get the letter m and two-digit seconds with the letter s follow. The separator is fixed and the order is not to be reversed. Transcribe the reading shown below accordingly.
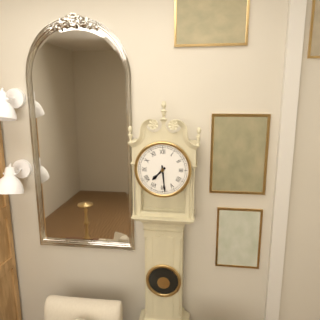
7h29
